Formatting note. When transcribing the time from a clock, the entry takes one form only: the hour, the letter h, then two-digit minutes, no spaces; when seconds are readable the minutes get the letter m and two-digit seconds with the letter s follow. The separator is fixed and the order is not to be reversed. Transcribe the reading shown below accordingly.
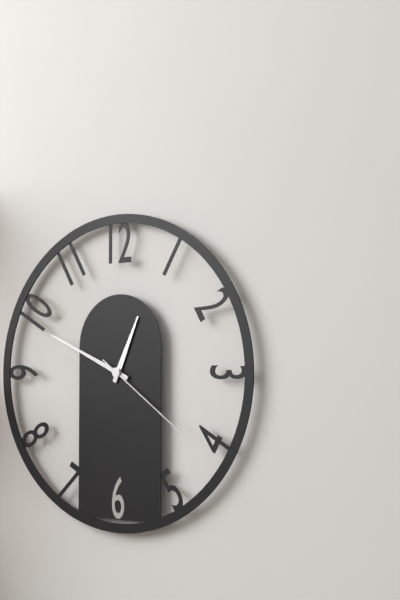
12h49m21s
